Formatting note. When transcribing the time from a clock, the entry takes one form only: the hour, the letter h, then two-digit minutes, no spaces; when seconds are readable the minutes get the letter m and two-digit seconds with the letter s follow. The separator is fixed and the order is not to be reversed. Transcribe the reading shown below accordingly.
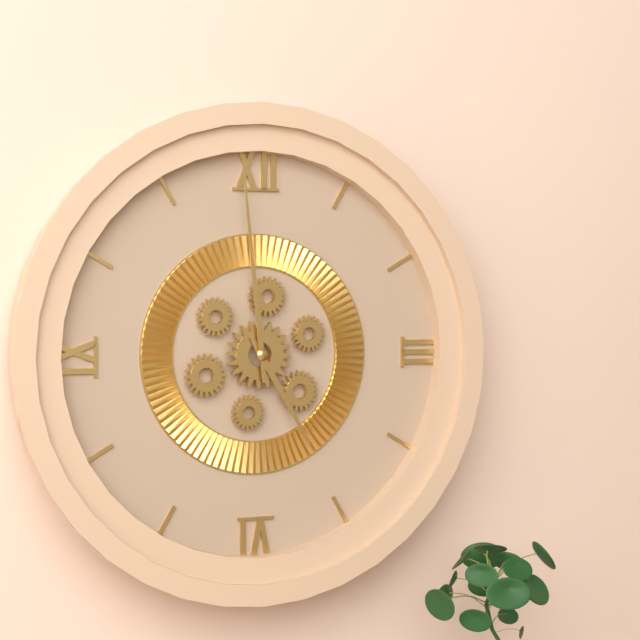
4h59
